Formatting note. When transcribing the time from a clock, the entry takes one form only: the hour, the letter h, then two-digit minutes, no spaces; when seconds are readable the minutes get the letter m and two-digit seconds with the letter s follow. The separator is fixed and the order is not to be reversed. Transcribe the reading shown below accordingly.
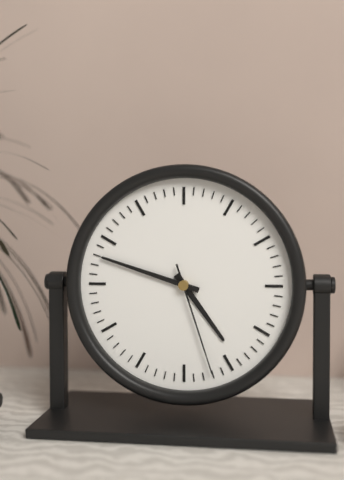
4h48m27s
